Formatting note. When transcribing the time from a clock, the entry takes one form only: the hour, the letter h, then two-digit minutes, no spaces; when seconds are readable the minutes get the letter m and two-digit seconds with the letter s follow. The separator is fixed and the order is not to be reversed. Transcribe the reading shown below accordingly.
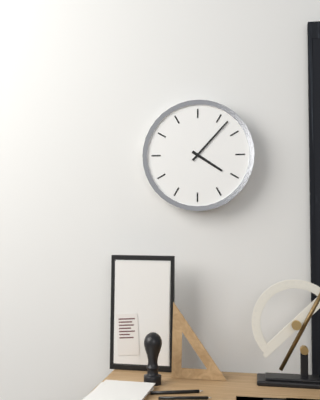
4h07
